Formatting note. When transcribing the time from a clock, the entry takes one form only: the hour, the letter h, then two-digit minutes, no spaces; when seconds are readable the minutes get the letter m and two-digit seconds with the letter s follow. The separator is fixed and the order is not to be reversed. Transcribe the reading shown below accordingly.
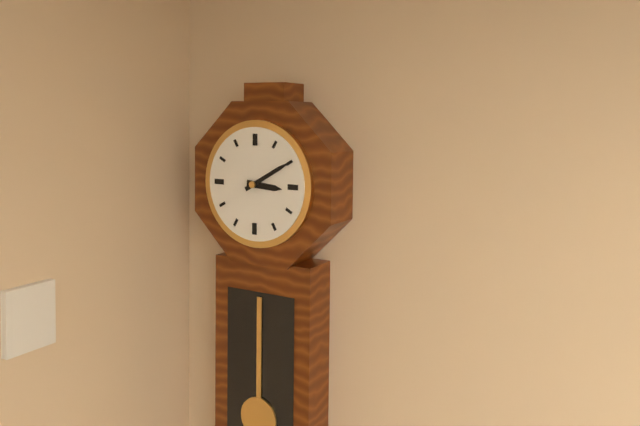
3h10
